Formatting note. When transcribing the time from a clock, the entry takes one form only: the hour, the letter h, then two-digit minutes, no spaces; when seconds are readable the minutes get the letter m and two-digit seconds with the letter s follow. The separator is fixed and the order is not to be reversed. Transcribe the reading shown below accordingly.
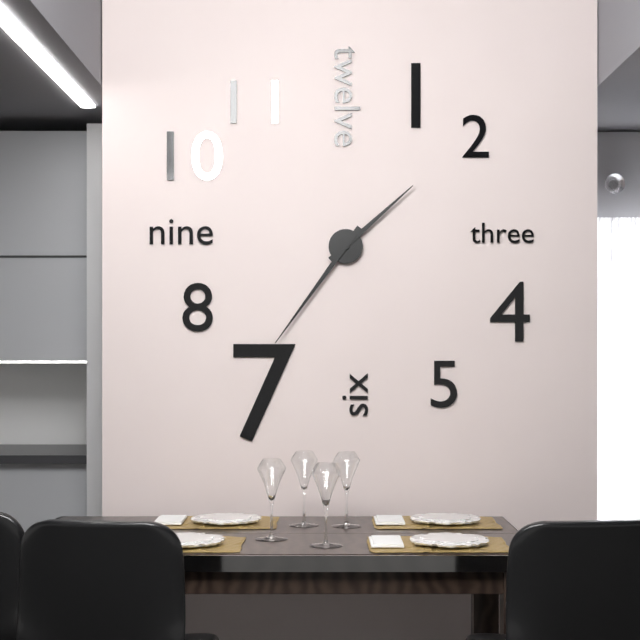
1h36
